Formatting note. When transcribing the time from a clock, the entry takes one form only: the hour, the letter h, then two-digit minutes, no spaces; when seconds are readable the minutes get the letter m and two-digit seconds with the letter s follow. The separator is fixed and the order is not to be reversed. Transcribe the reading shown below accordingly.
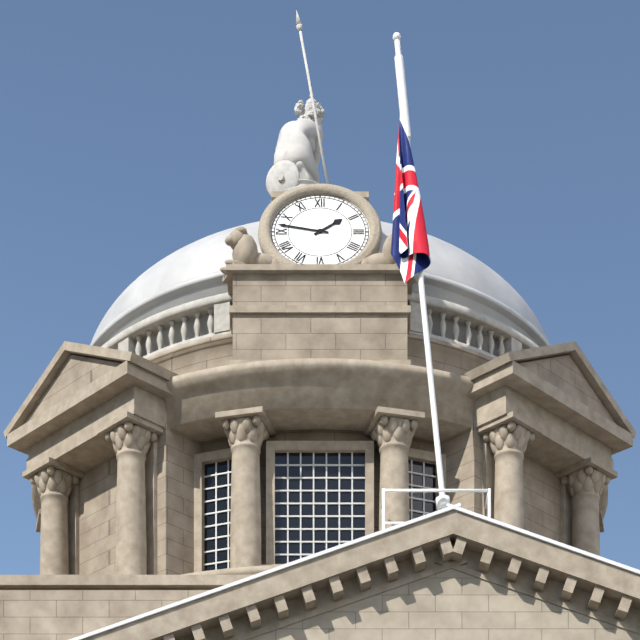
1h47
